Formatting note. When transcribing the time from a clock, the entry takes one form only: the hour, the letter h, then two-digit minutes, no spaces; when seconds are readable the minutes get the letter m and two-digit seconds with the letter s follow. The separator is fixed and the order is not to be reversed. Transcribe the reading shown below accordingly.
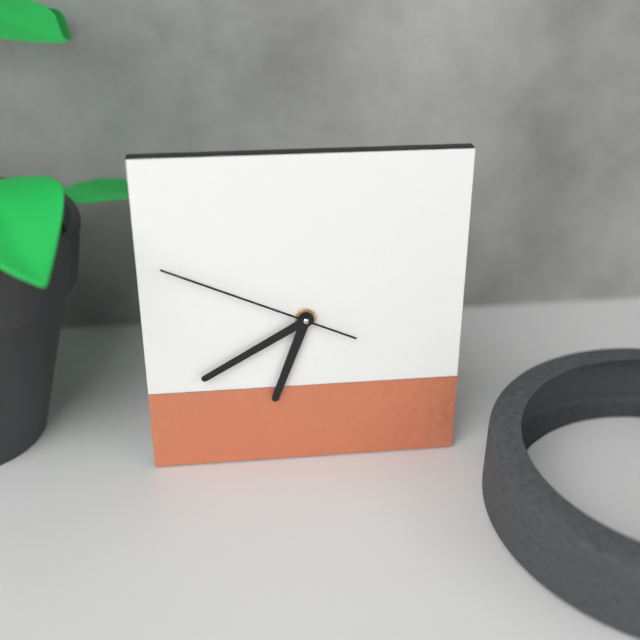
6h40m49s
